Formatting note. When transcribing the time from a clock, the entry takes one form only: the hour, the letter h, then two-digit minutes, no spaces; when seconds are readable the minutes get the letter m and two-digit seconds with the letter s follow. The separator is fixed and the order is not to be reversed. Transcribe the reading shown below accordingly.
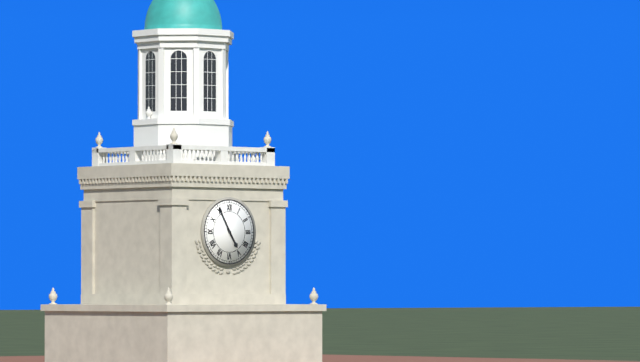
4h55
